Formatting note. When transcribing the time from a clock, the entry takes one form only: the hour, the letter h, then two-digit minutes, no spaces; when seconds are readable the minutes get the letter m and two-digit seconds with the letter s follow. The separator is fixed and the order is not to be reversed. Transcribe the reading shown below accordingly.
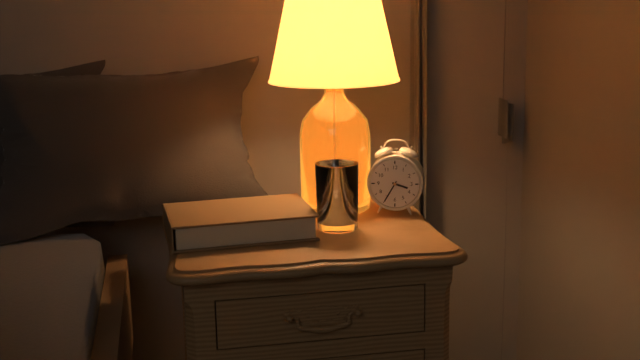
3h35
